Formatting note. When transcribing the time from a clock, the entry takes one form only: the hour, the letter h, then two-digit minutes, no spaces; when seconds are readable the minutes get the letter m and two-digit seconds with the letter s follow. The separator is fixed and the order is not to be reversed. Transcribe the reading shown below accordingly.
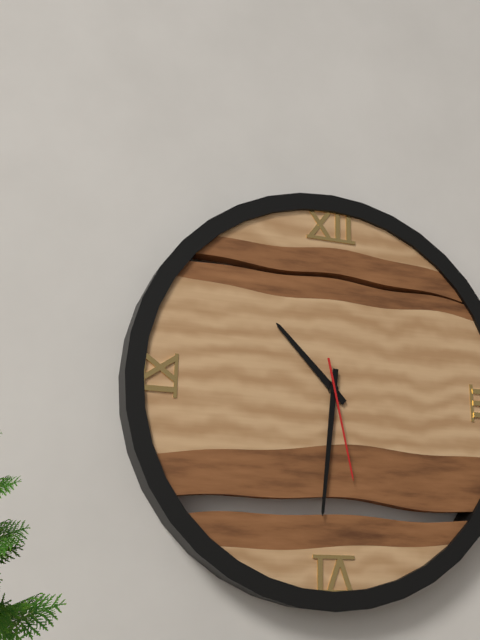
10h31m28s
